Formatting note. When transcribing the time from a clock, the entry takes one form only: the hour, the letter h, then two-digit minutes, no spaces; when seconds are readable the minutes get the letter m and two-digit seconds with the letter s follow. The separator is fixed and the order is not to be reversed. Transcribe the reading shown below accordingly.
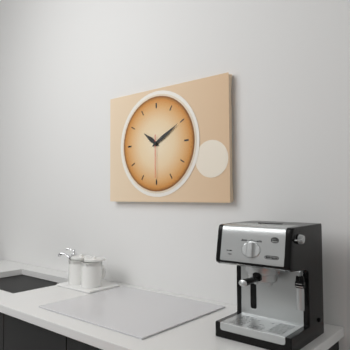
10h10
